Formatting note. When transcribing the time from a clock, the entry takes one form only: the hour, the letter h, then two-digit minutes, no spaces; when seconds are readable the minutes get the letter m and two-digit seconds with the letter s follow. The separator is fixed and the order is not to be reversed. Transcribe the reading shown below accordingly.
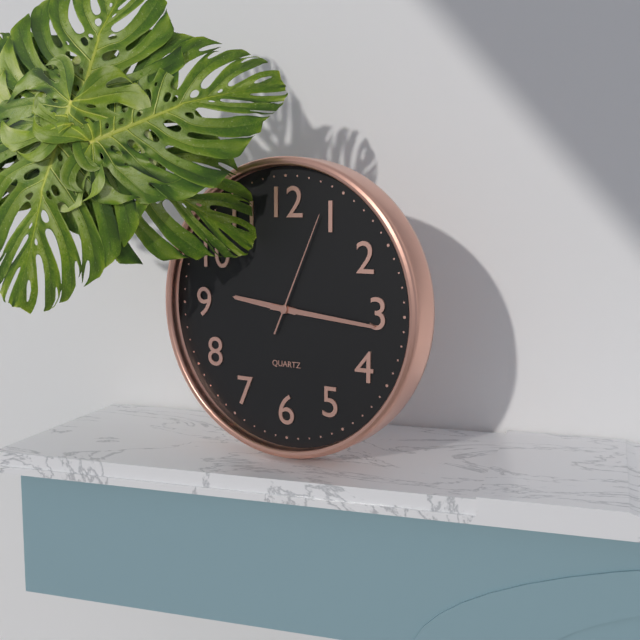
9h16m04s
